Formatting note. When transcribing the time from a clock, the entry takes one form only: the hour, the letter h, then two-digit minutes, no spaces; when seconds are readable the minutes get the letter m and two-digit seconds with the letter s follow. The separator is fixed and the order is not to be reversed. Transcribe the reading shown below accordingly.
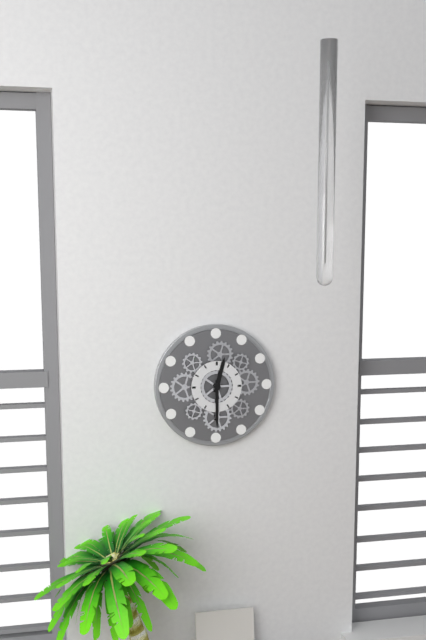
12h30
